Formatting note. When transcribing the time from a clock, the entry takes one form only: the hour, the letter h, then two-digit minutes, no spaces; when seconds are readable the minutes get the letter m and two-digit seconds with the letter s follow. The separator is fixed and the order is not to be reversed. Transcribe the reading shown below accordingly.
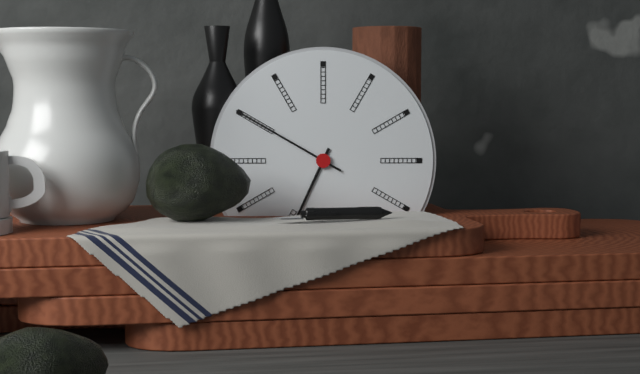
6h50
